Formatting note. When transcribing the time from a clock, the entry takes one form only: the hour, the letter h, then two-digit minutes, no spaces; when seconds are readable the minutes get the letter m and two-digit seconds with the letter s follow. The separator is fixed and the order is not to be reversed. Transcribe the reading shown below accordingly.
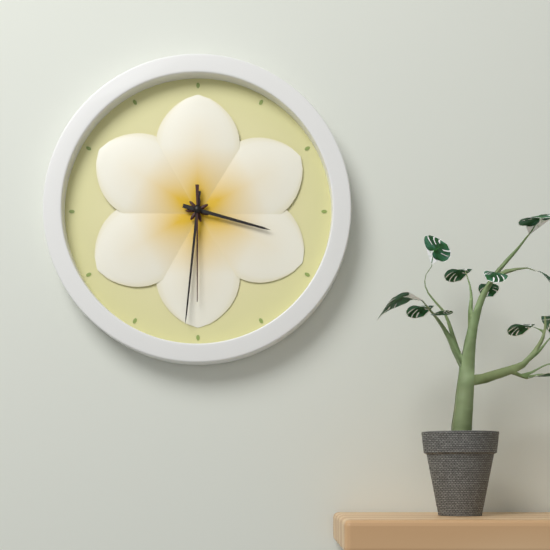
3h31m30s
